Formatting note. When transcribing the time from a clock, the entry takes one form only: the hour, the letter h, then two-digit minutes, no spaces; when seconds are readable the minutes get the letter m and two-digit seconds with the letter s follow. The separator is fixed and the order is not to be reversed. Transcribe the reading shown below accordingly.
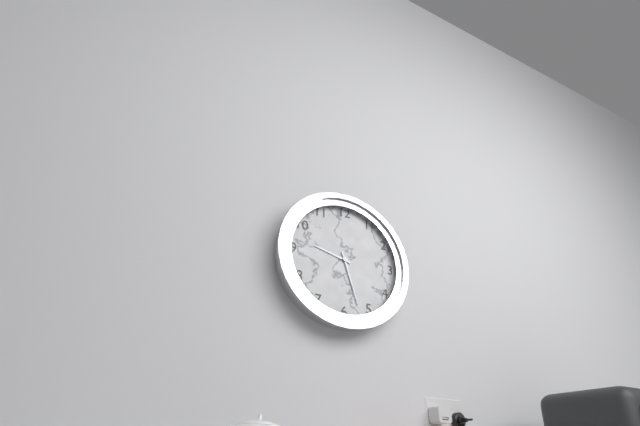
9h27
